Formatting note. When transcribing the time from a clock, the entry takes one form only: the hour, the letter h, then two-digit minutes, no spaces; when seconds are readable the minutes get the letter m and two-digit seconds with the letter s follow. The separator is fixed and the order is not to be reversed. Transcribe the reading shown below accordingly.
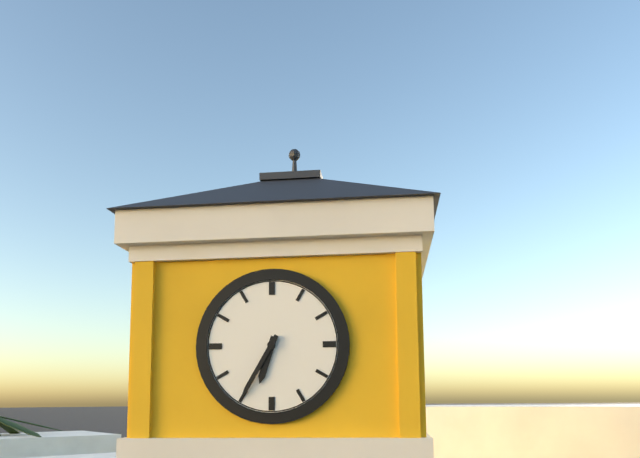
6h35
